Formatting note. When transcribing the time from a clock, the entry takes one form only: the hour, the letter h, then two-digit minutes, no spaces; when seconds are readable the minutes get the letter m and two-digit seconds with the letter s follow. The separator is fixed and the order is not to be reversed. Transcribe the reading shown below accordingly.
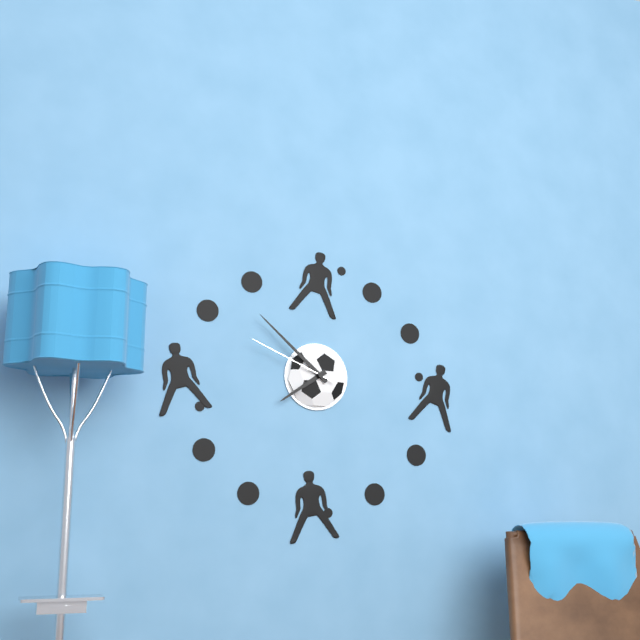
7h52m49s
